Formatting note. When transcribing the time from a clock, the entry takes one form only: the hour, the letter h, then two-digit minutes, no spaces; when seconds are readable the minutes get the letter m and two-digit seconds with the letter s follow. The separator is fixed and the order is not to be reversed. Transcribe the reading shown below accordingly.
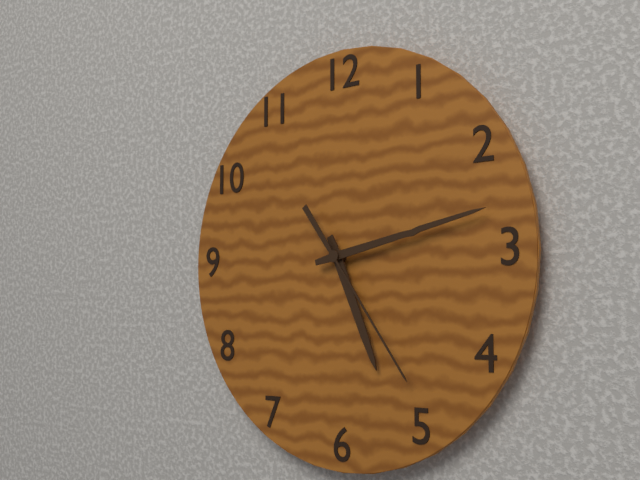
5h13m24s
